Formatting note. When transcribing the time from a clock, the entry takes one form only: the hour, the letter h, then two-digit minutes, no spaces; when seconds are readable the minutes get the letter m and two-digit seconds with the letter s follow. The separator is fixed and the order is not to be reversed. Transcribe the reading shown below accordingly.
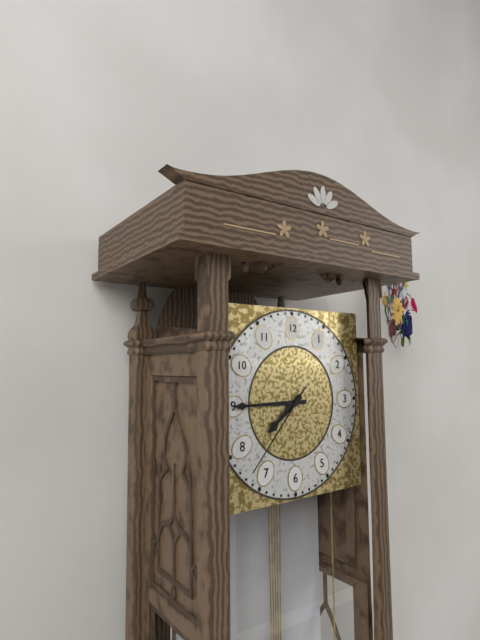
7h45m37s
